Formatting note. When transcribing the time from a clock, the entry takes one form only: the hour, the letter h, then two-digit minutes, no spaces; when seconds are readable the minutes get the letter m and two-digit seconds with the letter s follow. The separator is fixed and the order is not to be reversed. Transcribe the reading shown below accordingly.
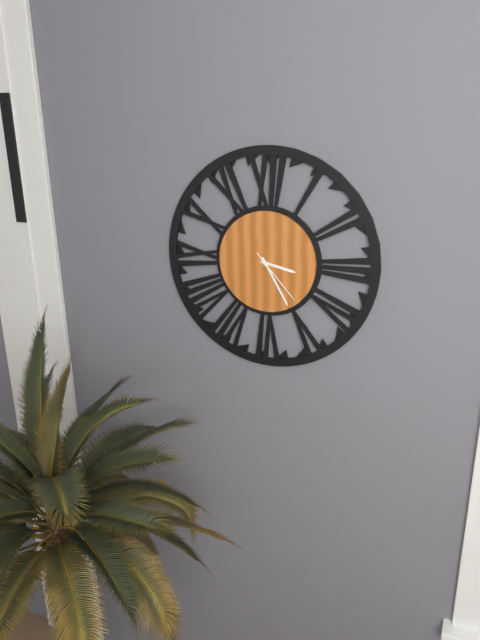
3h25m23s
